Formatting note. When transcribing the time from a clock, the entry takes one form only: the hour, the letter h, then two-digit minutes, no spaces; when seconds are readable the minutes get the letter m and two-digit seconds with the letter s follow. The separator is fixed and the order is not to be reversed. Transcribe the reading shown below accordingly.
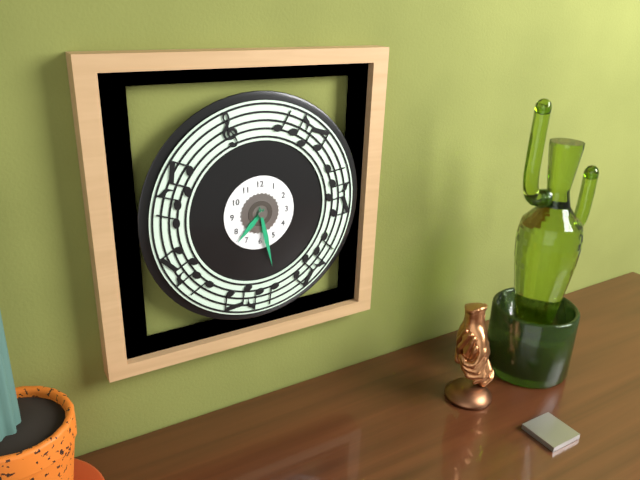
7h28
